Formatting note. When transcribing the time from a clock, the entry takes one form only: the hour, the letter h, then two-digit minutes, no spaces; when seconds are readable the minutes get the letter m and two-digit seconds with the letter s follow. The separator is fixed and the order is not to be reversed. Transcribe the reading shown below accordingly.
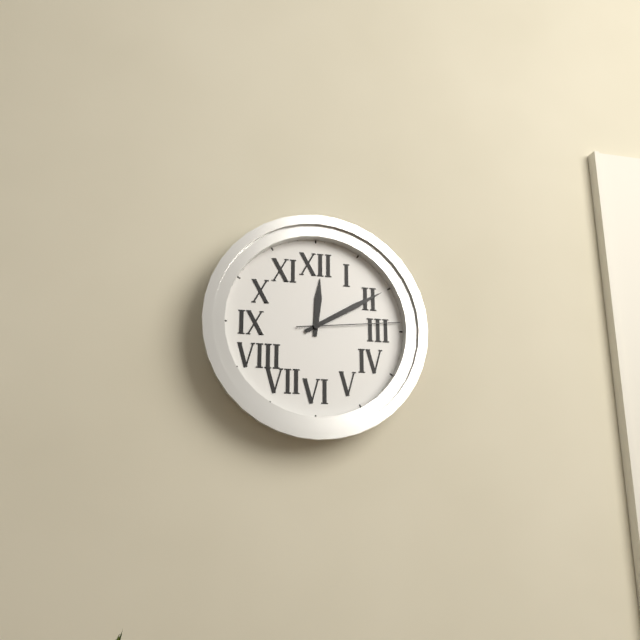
12h10m14s
